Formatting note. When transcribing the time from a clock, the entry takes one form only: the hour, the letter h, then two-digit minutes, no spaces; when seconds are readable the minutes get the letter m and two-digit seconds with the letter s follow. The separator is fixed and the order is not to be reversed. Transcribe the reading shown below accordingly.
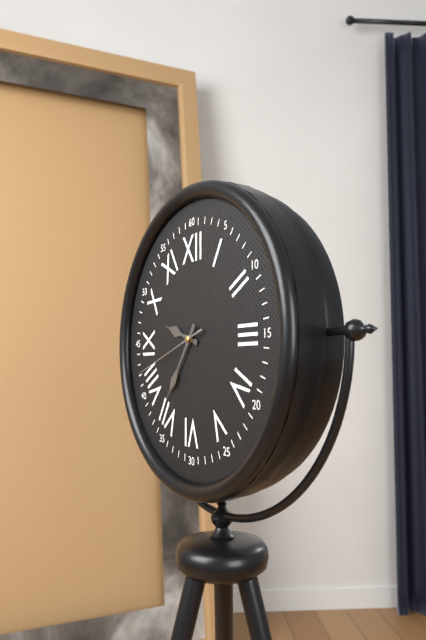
9h36m42s
